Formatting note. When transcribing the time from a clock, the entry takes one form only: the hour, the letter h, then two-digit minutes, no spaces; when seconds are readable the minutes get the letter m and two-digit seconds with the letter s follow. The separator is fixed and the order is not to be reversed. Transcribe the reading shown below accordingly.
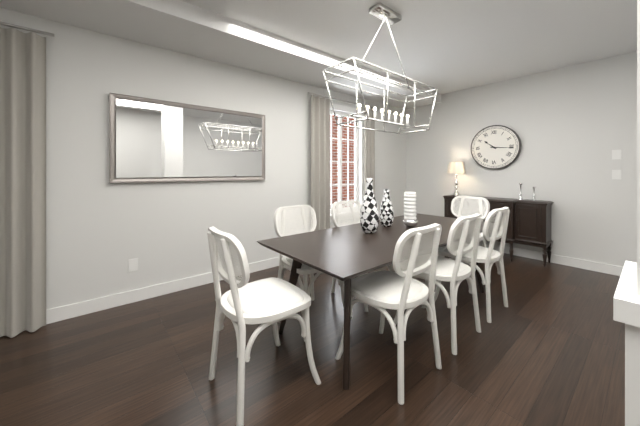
10h16
